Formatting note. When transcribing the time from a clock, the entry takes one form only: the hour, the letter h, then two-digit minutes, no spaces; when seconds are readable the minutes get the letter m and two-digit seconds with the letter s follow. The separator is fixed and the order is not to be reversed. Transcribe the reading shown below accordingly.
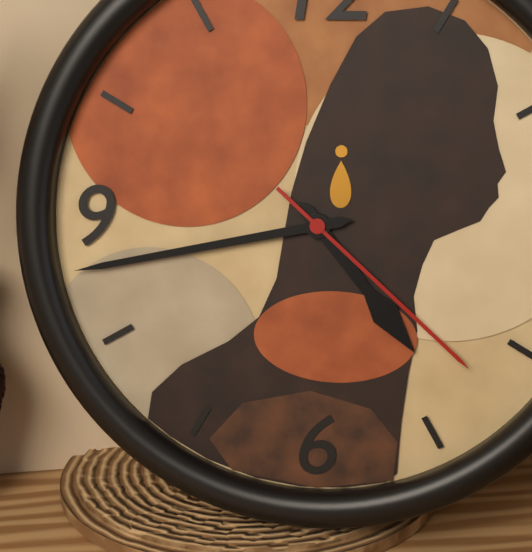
4h43m22s
